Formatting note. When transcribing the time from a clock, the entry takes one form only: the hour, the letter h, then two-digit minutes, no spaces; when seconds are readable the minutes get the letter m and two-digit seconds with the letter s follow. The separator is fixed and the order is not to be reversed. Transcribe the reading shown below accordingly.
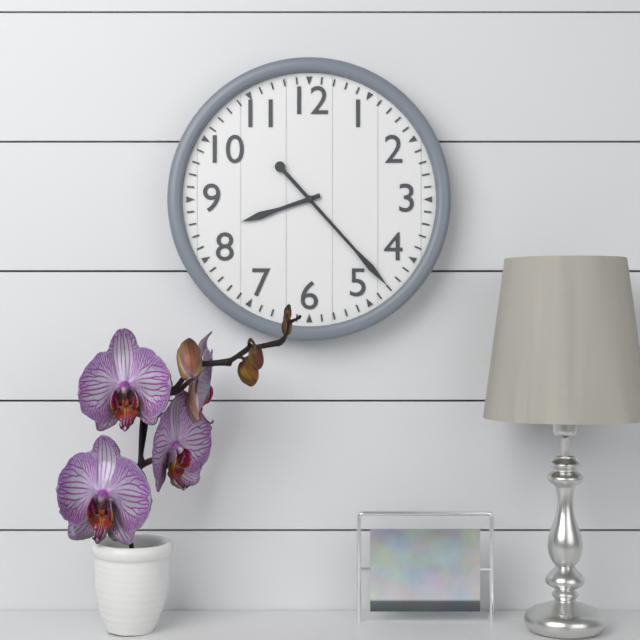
8h23
